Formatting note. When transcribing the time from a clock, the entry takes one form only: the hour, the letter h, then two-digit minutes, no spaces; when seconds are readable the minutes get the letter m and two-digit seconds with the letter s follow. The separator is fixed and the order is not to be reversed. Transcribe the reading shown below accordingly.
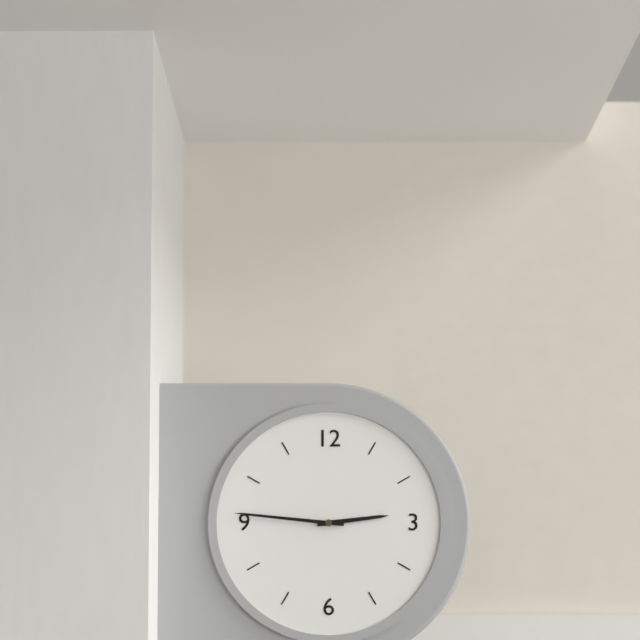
2h46
